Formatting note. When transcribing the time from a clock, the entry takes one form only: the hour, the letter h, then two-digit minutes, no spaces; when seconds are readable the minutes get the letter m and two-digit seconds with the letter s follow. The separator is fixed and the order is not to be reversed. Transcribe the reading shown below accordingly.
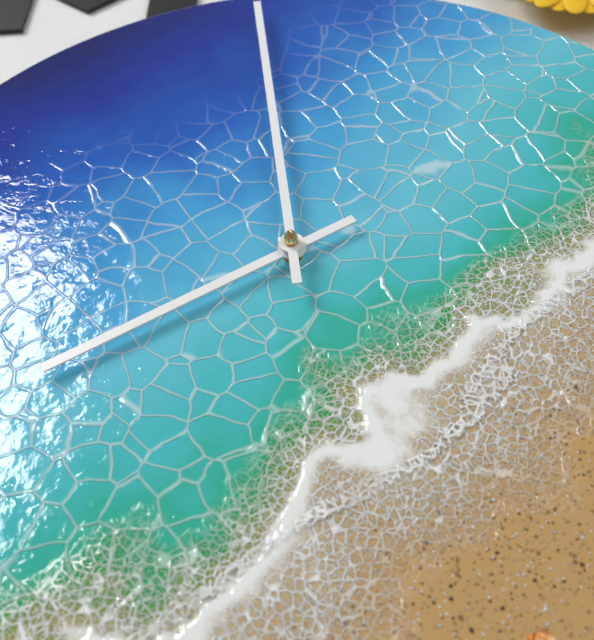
7h59
